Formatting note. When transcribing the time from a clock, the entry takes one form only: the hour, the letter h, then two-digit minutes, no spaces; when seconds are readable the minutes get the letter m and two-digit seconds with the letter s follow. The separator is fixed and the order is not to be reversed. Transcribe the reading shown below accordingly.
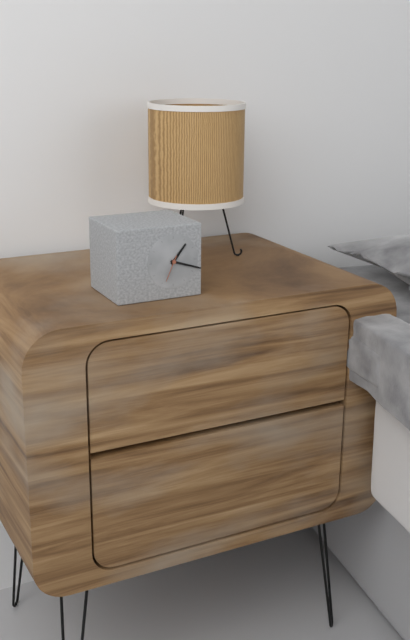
1h18
